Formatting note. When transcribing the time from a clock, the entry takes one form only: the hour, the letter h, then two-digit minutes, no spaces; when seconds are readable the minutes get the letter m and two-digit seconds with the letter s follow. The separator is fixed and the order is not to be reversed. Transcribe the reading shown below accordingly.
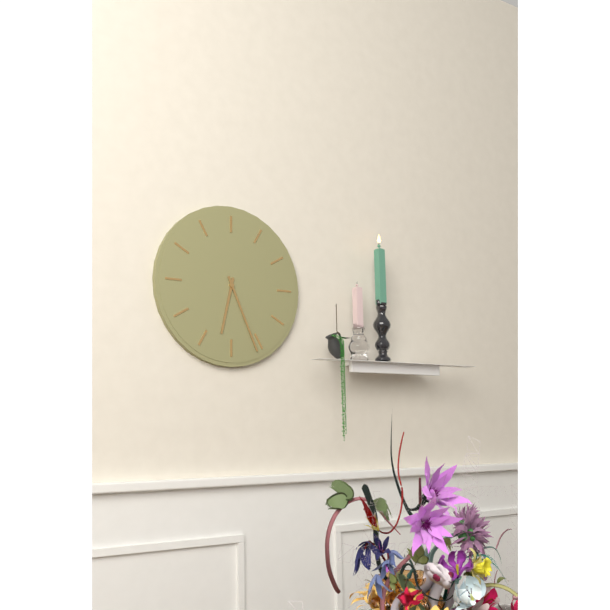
6h26
